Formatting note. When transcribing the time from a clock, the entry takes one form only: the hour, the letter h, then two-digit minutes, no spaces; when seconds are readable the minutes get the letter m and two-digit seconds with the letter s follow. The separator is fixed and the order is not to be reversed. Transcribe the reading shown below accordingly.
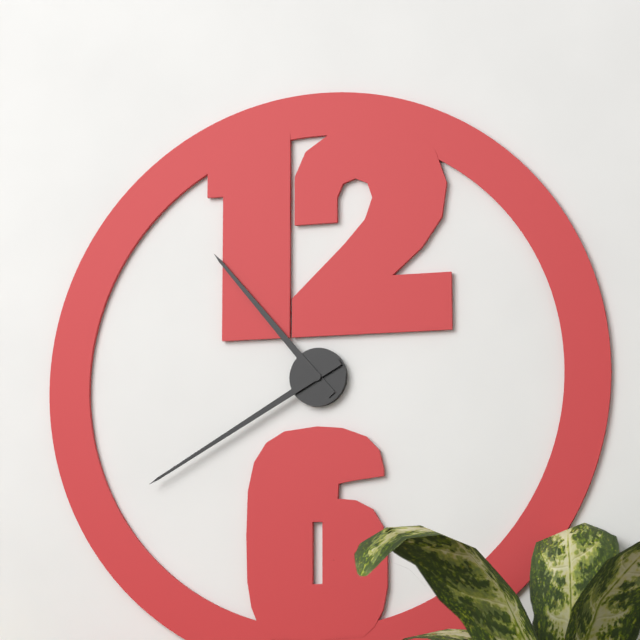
10h40
